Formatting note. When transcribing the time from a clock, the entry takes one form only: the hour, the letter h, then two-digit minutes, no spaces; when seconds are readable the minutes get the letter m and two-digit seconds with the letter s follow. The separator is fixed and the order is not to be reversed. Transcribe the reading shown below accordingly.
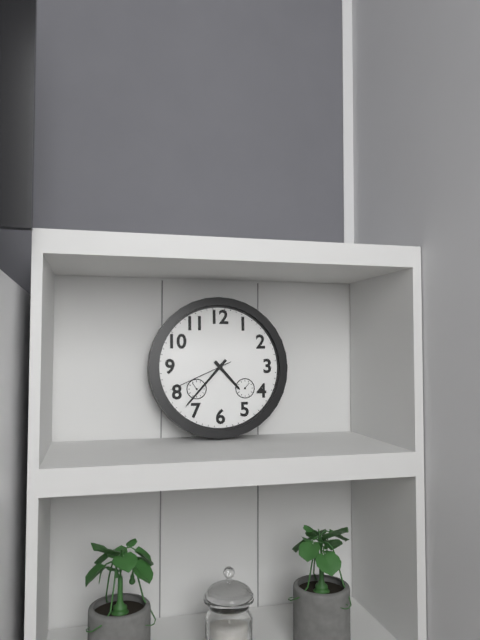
4h37m41s
